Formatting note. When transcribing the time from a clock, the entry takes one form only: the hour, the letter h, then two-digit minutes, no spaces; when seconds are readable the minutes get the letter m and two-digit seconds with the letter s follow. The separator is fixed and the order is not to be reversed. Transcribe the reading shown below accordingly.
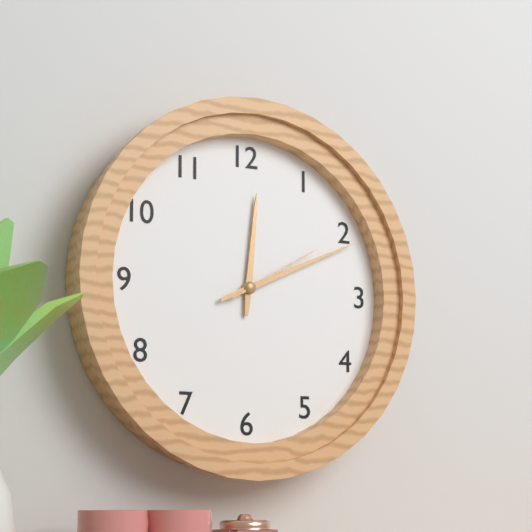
12h11m10s
